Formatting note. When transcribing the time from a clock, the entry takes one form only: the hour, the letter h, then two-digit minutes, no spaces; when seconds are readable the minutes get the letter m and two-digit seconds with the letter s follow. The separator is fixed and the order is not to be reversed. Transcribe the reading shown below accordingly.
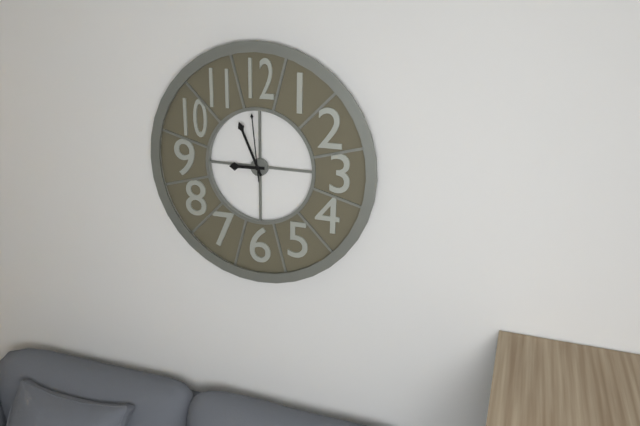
8h56m59s
